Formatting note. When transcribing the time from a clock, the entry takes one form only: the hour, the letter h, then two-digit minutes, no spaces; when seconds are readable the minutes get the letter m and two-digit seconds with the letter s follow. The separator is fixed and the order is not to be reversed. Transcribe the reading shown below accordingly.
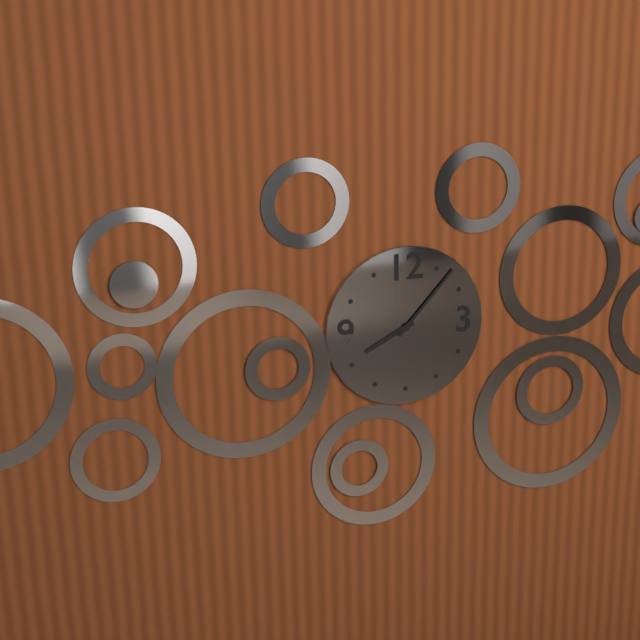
8h07
